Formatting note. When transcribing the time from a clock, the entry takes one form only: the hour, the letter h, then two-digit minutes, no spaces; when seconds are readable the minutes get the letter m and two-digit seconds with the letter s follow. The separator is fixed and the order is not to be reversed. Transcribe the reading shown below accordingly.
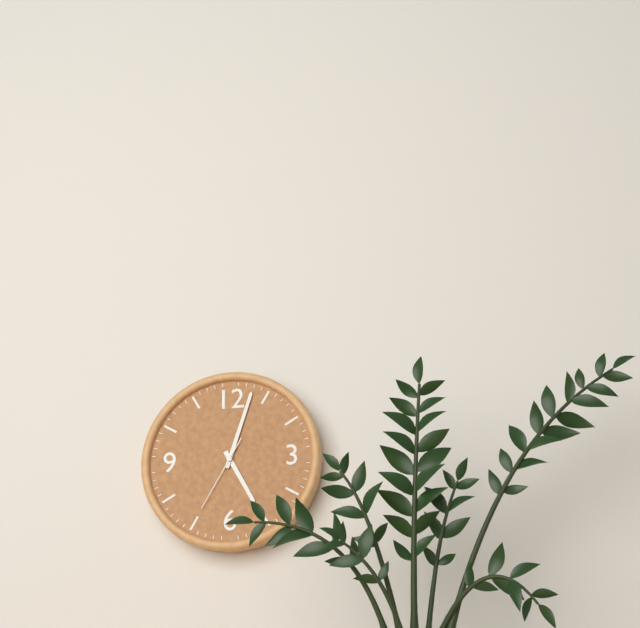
5h03m35s
